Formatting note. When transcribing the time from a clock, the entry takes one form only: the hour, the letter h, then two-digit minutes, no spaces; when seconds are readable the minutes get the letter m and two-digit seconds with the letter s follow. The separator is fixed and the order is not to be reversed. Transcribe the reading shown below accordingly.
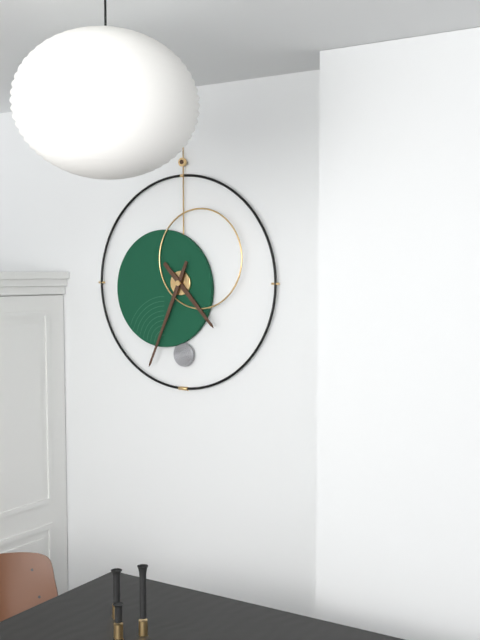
4h34
